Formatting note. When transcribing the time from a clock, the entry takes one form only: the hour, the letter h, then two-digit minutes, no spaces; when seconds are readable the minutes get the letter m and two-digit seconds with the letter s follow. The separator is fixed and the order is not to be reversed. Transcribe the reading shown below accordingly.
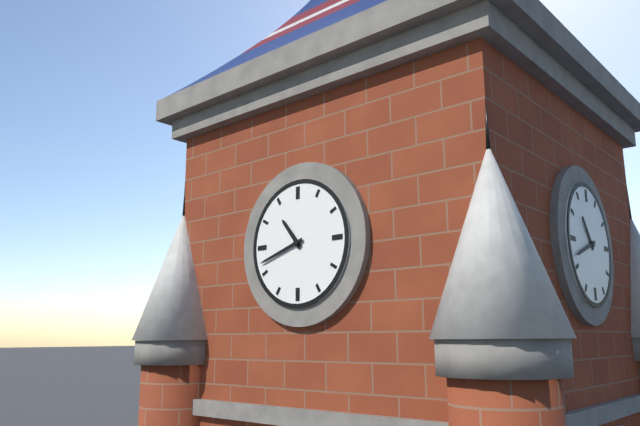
10h42
